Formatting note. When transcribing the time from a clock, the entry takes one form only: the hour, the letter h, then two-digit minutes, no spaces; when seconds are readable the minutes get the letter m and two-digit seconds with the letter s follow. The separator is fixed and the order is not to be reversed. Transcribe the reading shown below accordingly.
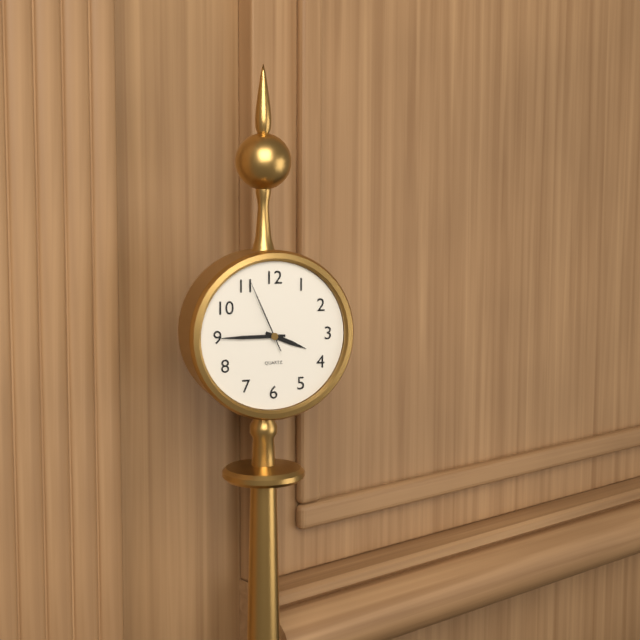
3h45m56s
